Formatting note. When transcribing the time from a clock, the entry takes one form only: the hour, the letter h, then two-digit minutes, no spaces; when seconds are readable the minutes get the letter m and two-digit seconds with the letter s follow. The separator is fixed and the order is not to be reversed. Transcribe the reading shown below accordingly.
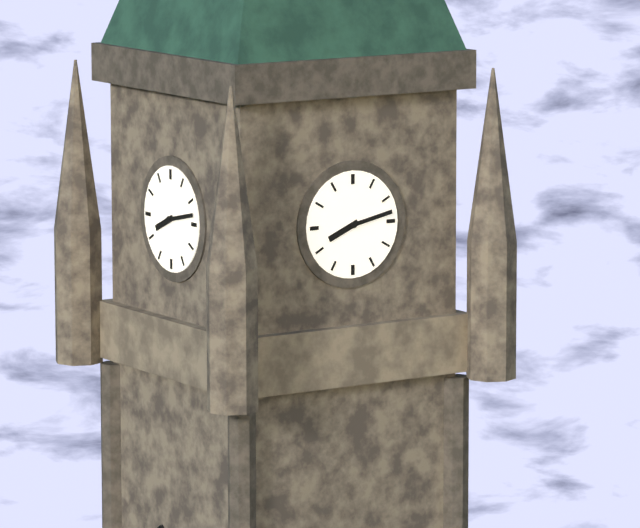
8h13
